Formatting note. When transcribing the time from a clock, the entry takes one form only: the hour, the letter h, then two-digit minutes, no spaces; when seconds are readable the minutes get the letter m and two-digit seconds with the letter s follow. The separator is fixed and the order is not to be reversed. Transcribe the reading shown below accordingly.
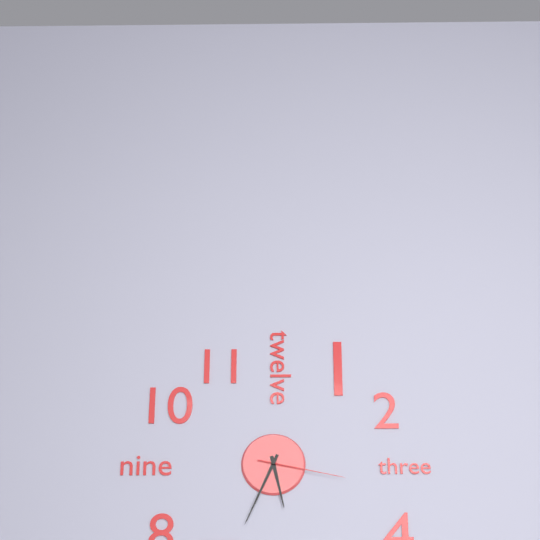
5h34m17s
